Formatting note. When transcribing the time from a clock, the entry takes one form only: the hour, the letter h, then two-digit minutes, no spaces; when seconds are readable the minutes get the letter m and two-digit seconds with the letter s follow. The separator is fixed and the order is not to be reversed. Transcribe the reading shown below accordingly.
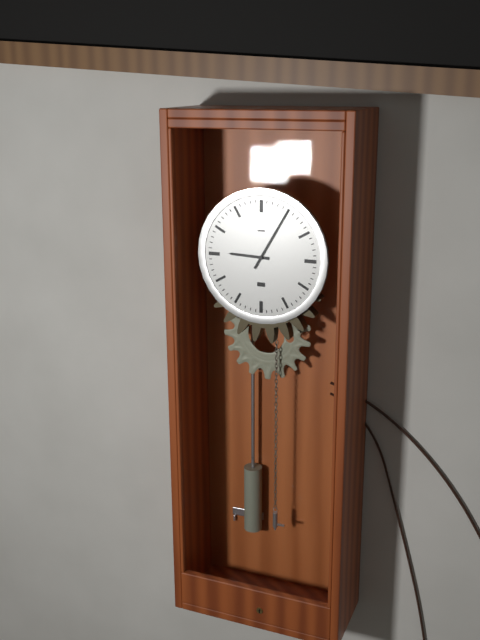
9h05
